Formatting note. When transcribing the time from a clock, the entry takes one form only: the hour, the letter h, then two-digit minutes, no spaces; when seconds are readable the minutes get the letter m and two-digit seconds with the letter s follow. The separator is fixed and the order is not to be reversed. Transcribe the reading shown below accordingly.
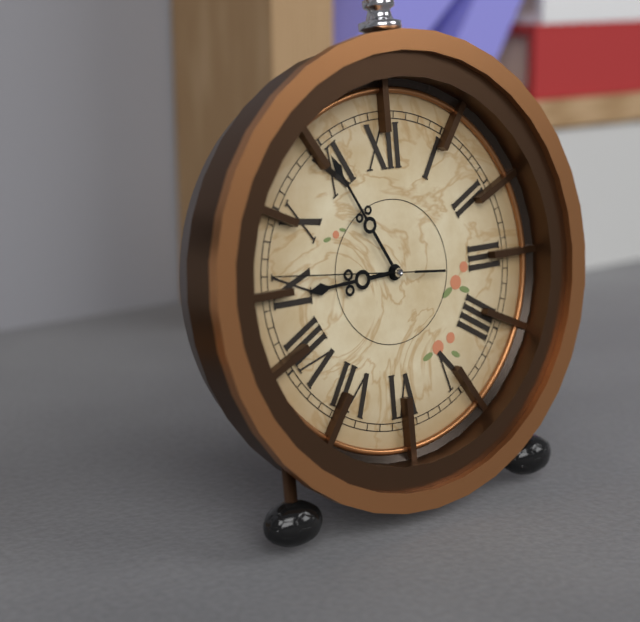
8h55m46s
